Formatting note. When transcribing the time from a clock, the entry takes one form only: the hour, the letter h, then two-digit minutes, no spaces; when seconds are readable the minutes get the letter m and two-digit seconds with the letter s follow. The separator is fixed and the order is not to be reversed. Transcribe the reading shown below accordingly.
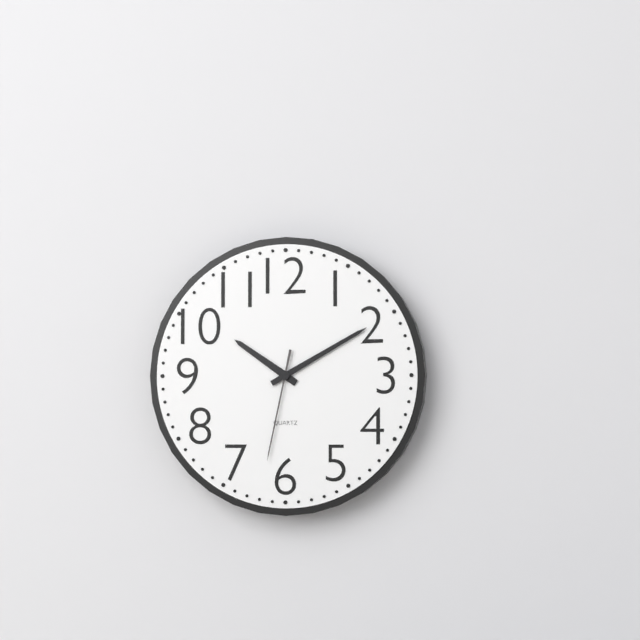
10h10m32s
